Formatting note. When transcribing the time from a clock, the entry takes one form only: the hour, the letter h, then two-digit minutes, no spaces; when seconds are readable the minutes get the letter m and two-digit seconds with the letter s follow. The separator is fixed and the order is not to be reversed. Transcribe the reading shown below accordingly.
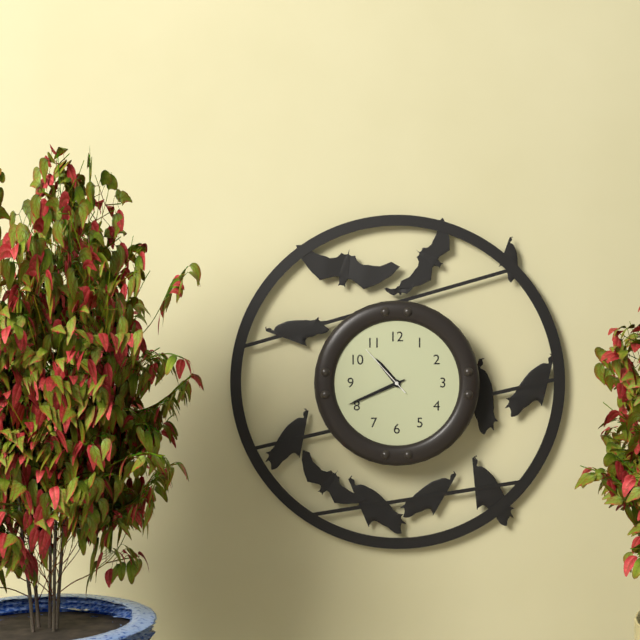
10h41m53s
